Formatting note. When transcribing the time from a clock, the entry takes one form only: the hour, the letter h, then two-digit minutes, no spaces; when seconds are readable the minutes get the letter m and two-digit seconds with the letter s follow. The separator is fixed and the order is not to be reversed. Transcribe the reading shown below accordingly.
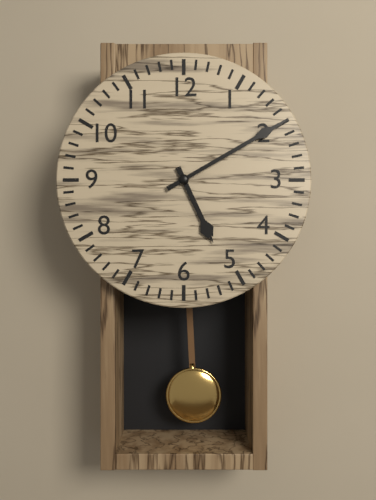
5h10
